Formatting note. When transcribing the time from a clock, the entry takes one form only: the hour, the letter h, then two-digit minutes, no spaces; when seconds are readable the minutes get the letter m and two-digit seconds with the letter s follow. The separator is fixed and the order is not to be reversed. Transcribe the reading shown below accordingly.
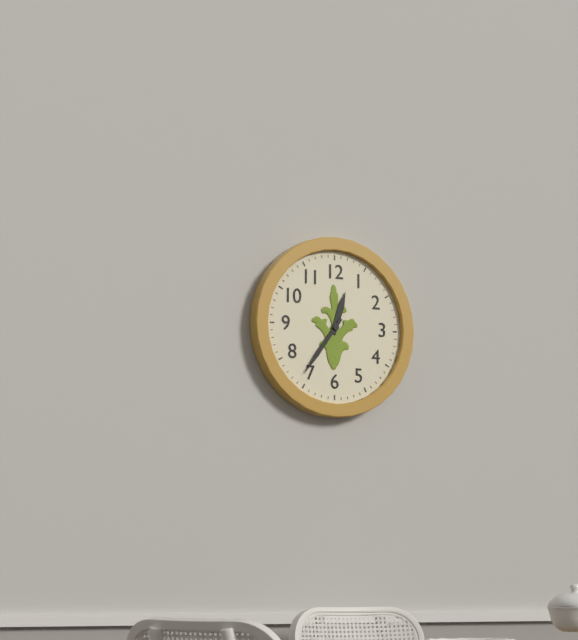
12h36
